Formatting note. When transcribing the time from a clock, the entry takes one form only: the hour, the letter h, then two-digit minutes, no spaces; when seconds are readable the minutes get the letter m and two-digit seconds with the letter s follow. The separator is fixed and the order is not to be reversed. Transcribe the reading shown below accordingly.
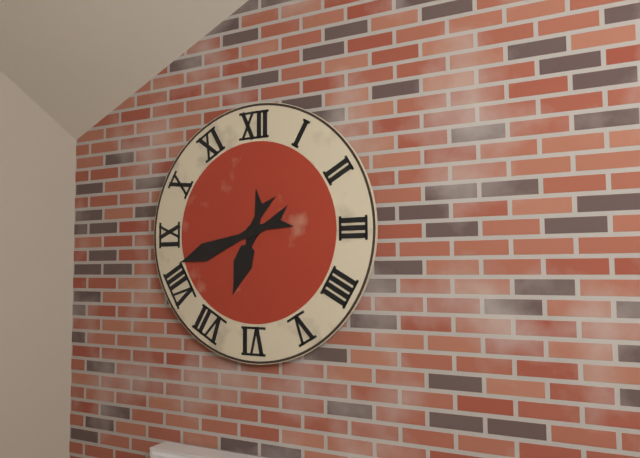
6h42
